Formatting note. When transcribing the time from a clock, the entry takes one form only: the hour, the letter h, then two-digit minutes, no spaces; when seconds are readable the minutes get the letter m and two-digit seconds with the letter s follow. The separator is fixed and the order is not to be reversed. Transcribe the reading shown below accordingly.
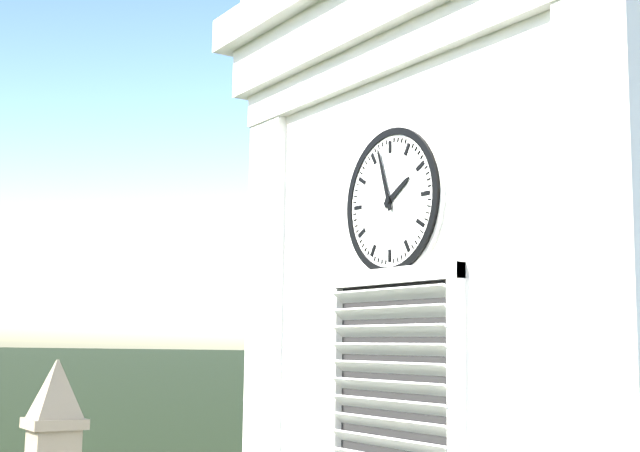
1h57
